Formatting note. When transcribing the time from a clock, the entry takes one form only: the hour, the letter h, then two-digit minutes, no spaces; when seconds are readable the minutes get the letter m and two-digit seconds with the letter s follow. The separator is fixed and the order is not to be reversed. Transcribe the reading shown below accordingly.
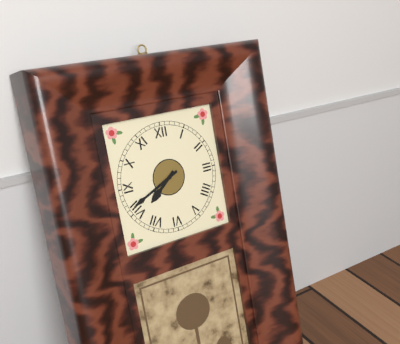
7h41
